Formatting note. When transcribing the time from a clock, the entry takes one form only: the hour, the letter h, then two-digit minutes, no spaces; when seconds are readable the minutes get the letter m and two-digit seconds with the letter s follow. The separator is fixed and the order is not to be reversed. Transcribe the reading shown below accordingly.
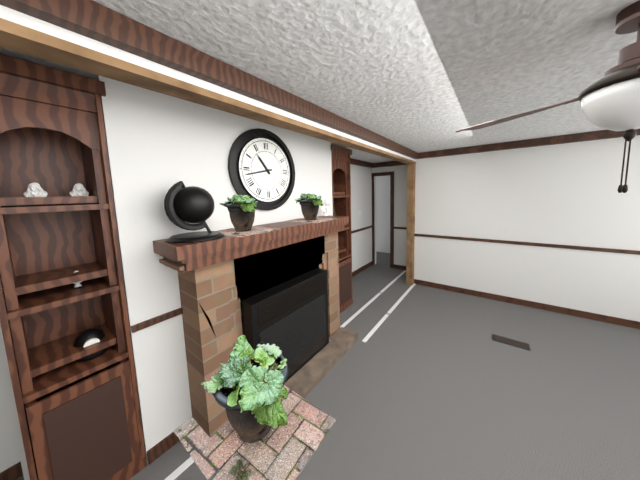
10h43
